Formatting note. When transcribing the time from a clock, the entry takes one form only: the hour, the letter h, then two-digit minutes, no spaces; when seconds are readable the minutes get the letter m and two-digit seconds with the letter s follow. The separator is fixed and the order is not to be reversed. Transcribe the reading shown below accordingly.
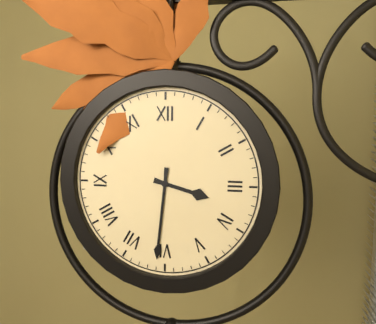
3h31
